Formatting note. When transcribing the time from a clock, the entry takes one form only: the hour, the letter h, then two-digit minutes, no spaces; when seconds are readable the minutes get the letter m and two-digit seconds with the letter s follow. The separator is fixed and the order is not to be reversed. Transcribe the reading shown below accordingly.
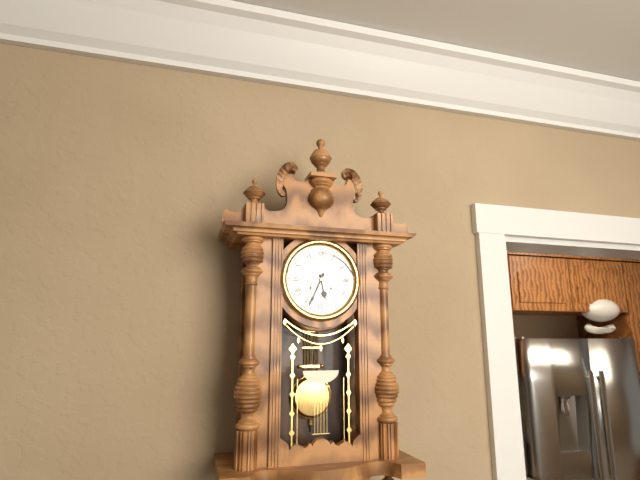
5h34
